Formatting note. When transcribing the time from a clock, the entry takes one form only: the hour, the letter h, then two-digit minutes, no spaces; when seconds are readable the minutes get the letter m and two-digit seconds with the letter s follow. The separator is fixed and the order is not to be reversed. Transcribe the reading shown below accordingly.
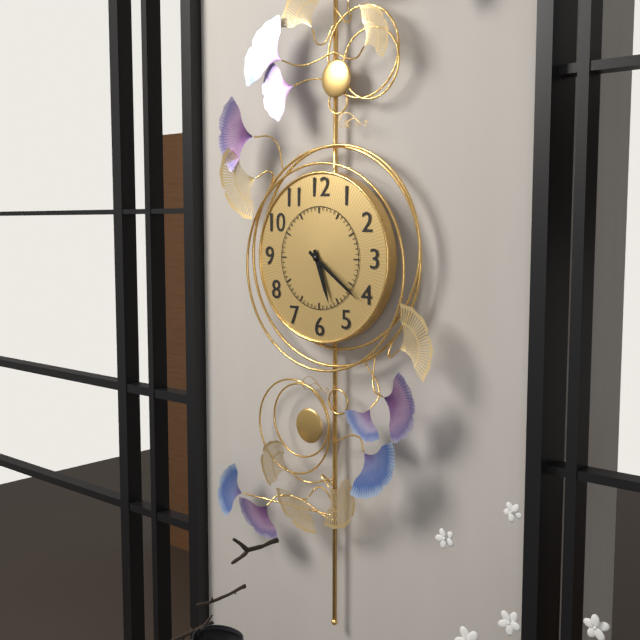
5h21
